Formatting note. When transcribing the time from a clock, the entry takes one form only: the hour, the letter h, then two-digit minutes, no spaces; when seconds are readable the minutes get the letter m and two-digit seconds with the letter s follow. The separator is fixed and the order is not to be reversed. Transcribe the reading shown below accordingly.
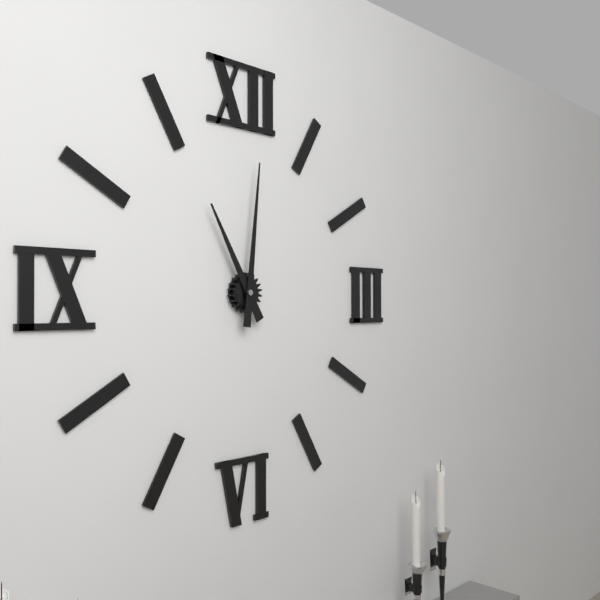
11h01
